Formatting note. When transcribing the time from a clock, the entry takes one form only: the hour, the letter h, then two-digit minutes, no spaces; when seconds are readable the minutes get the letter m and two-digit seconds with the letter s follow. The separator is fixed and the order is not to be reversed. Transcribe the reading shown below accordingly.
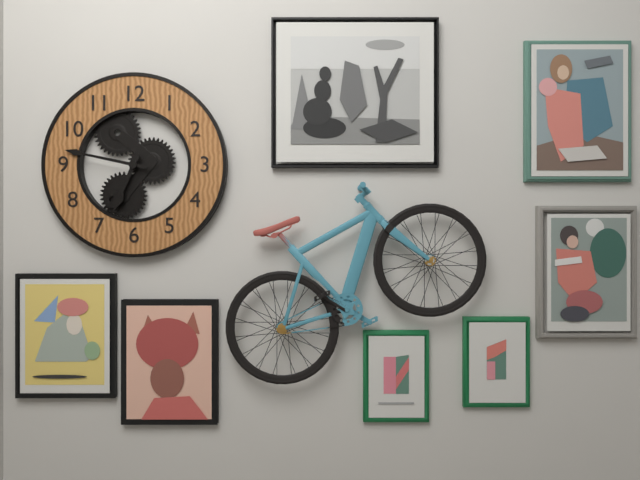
6h47
